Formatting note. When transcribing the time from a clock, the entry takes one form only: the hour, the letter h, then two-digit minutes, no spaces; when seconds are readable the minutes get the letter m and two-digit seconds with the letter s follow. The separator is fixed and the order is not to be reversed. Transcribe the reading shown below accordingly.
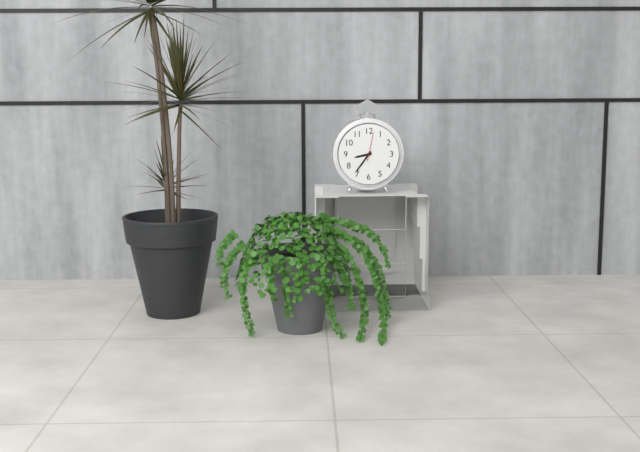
8h36
